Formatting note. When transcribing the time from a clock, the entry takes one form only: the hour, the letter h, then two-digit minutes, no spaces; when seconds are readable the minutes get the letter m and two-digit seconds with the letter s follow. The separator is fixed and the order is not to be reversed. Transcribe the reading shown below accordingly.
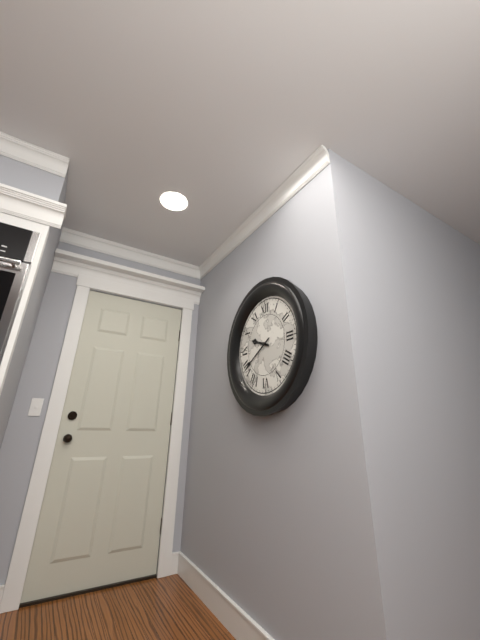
9h40
